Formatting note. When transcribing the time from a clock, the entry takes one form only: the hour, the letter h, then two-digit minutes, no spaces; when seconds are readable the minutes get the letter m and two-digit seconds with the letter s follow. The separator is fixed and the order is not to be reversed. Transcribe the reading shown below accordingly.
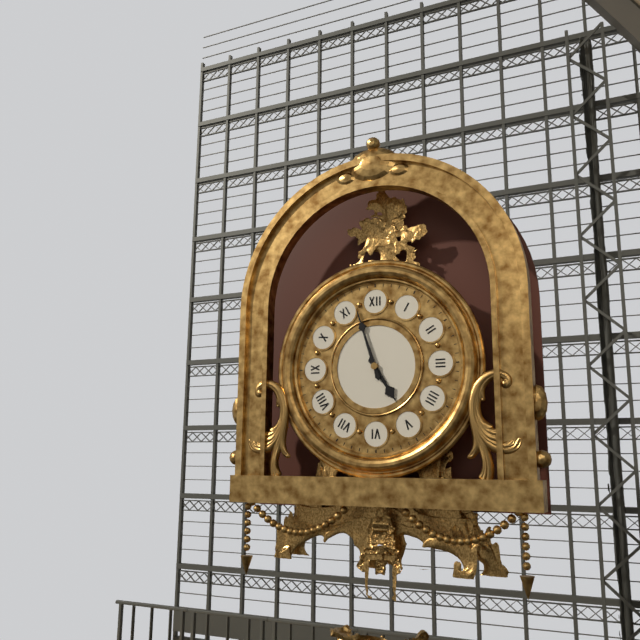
4h57
